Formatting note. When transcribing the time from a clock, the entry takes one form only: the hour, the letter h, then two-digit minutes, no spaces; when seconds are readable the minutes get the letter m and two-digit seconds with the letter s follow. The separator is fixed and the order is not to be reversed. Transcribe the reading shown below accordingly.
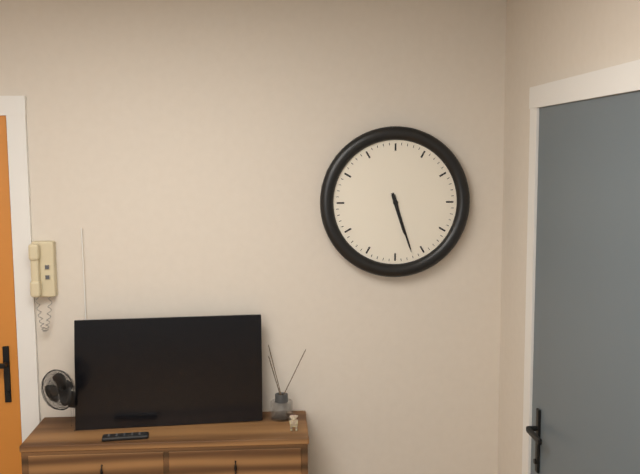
5h27
